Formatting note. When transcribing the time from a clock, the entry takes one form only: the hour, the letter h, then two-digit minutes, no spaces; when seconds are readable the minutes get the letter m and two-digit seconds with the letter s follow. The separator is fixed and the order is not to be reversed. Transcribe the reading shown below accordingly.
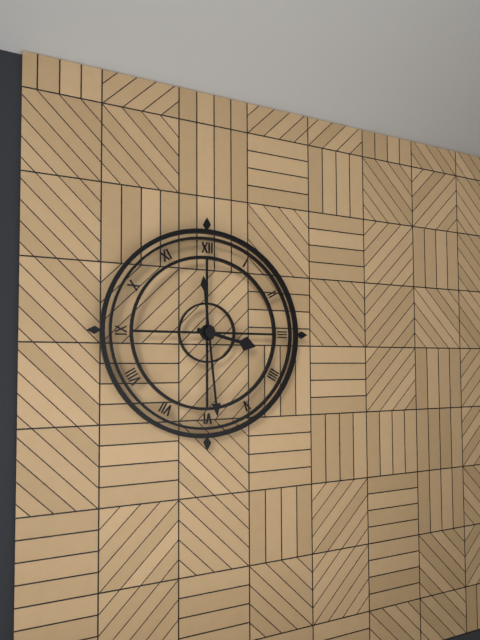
3h29
